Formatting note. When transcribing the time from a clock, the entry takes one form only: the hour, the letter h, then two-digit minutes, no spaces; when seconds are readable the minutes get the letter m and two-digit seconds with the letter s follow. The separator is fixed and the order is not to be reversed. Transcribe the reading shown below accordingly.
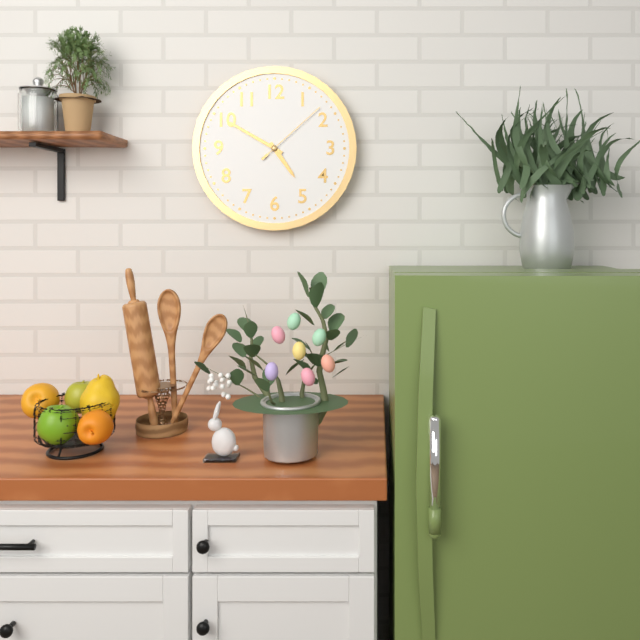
4h50m08s
